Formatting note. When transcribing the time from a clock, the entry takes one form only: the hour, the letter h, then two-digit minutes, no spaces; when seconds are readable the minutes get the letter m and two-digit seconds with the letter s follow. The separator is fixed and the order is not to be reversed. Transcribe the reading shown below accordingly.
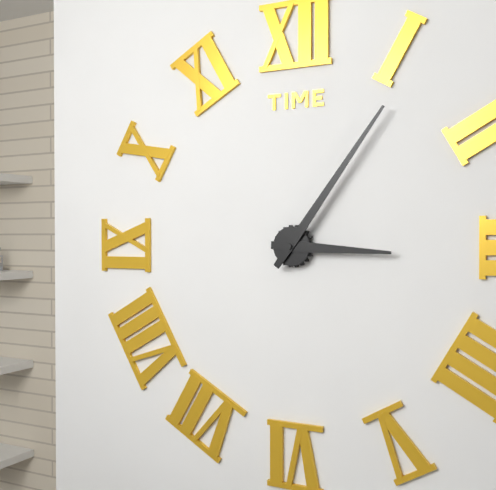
3h06
